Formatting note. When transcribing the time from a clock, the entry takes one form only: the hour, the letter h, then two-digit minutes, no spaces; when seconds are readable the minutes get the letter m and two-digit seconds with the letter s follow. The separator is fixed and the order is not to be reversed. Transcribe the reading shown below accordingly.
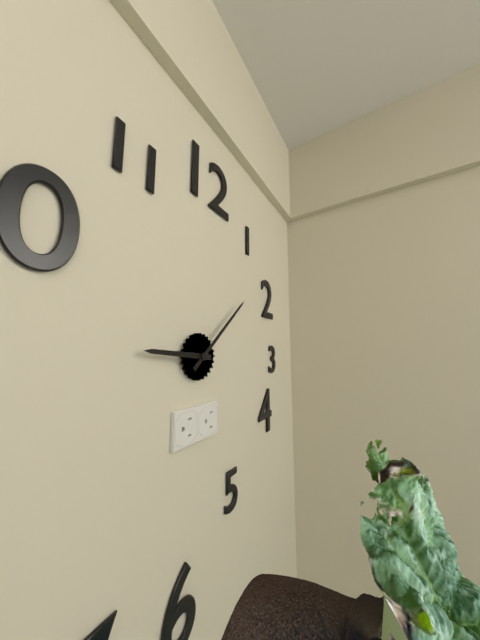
9h08
